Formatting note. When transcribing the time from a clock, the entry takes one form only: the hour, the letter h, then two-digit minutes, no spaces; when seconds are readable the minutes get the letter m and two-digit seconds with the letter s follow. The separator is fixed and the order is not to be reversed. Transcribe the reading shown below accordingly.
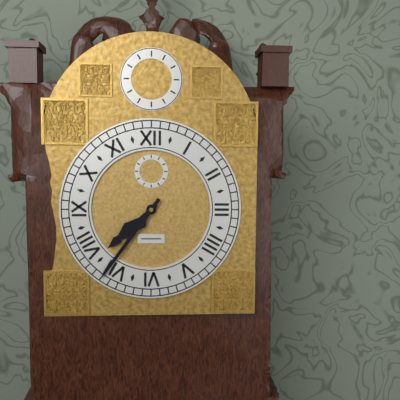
7h36
